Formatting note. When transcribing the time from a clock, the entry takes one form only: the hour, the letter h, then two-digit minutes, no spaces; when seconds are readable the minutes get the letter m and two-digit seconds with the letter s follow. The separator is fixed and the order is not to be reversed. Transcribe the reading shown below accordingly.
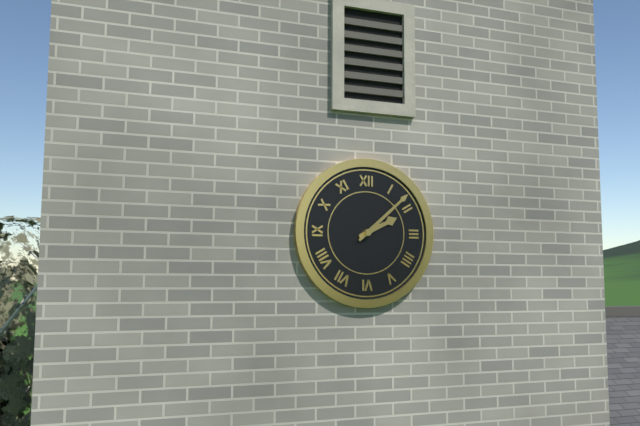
2h08
